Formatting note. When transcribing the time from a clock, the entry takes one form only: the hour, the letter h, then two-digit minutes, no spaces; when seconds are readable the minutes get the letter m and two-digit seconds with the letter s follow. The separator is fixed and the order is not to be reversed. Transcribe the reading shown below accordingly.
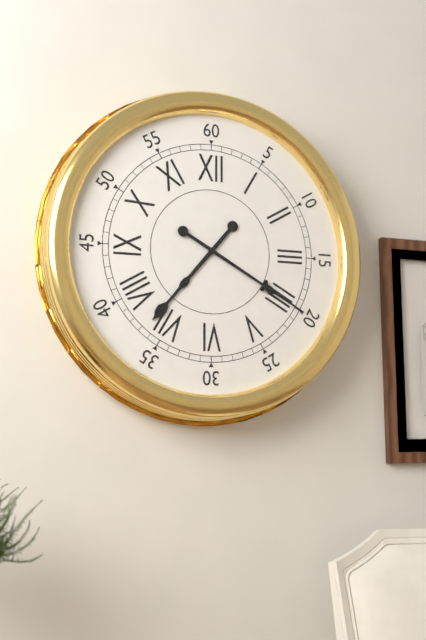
7h20
